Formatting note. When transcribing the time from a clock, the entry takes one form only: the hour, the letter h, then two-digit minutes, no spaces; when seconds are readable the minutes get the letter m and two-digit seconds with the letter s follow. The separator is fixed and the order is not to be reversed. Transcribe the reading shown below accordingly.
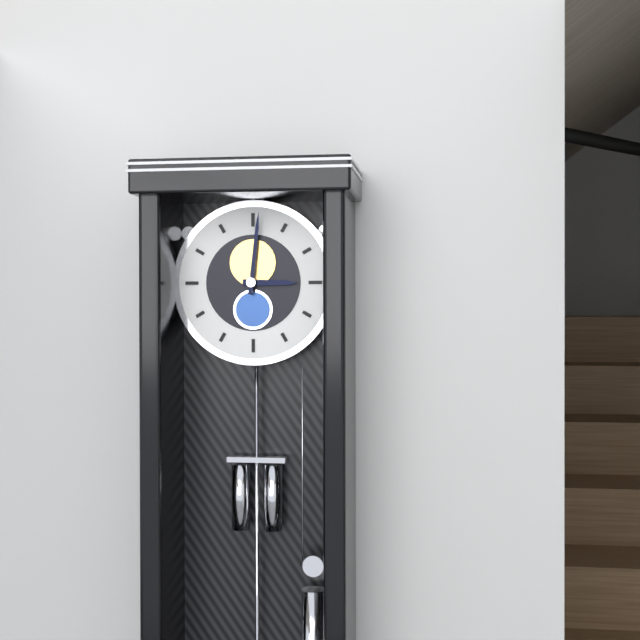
3h01
